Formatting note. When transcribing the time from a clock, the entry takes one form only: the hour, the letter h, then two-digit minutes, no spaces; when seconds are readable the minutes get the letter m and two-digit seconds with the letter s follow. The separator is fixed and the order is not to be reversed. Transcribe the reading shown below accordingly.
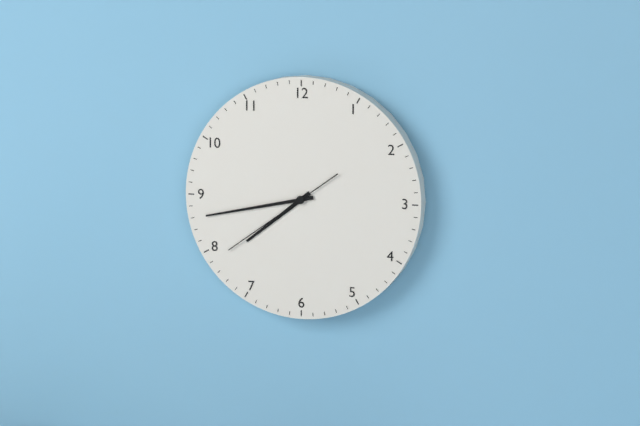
7h43m39s
